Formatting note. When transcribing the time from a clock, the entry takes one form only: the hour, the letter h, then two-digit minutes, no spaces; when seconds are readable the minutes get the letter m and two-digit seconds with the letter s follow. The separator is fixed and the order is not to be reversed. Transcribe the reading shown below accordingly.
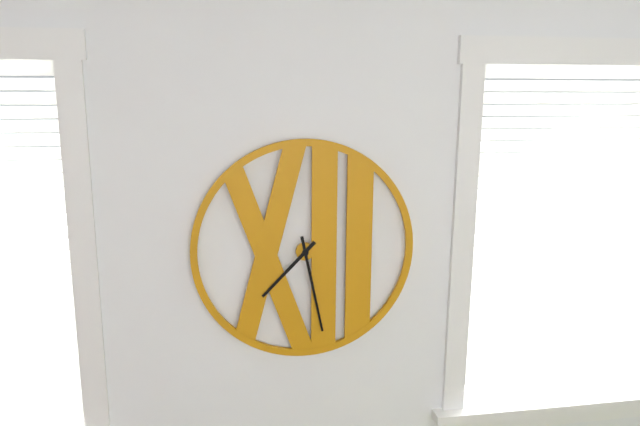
7h28
